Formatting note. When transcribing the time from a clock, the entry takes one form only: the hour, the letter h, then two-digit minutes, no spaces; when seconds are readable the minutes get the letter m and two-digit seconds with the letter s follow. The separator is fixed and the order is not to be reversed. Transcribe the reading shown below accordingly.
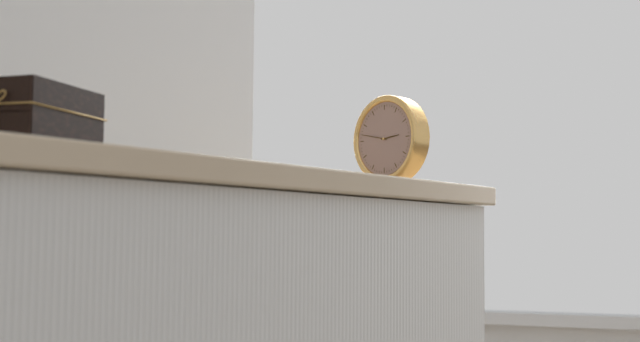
2h47
